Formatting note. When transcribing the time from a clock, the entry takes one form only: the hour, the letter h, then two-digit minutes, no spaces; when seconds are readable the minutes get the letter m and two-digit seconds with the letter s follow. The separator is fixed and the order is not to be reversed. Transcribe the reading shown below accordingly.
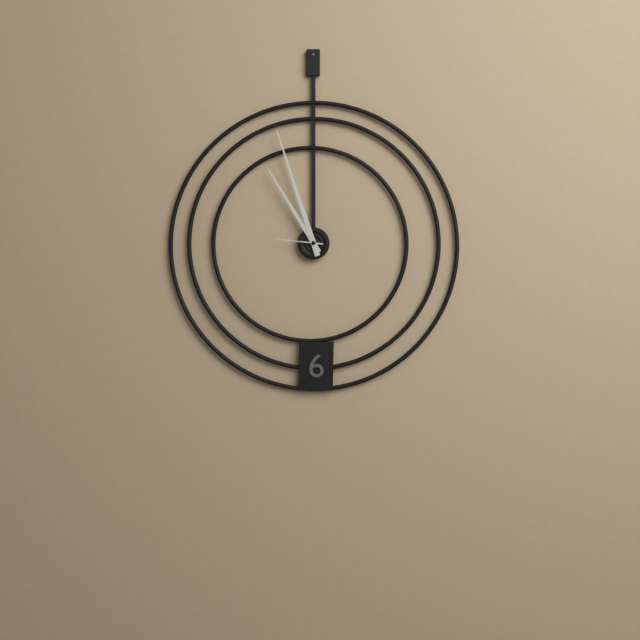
10h57m46s
